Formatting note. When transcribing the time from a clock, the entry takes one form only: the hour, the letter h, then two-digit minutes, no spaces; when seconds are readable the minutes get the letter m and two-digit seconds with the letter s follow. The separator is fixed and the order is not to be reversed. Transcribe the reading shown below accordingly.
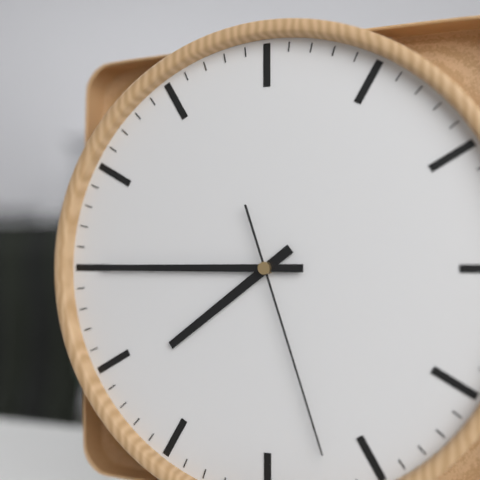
7h45m27s
